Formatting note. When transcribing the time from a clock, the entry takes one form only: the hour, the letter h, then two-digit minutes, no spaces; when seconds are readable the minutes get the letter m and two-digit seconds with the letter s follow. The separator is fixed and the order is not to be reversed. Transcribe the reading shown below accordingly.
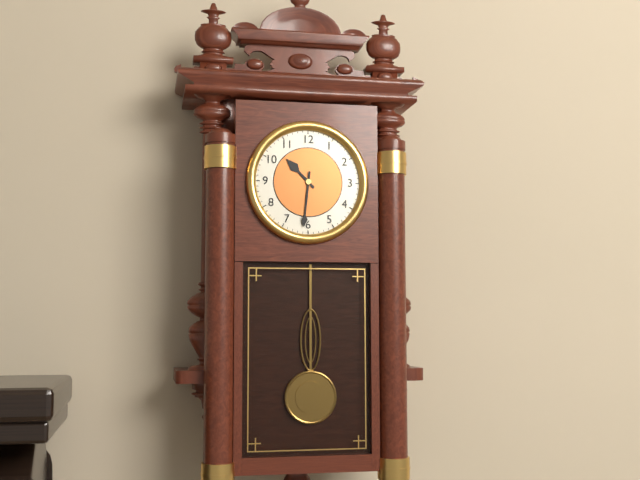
10h31
